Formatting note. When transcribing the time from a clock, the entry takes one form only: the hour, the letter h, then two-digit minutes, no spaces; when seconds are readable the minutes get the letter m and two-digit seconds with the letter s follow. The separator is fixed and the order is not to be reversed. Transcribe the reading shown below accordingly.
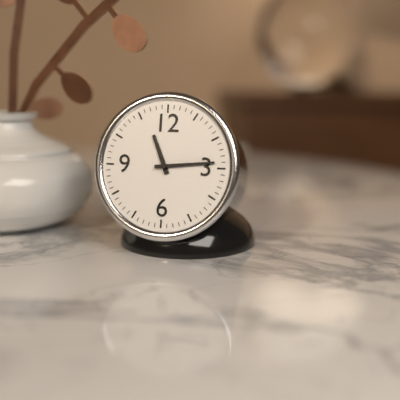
11h14
